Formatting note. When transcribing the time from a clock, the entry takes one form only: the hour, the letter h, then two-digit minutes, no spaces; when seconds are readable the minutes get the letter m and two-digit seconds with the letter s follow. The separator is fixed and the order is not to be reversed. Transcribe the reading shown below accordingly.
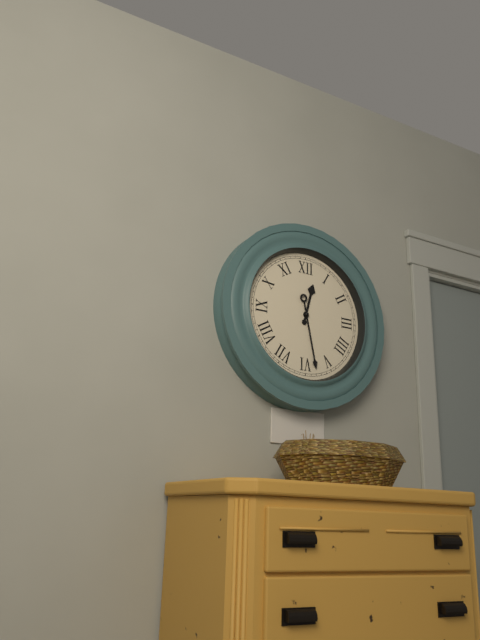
12h28
